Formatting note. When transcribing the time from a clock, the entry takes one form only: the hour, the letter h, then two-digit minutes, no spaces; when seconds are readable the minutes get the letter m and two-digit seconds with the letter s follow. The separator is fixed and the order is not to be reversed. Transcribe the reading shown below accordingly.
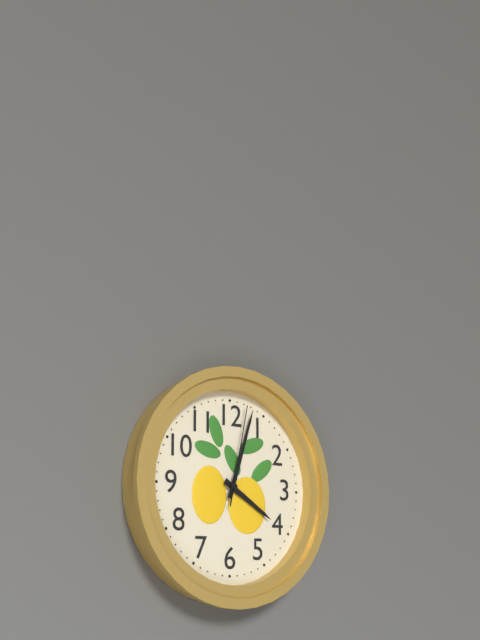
4h03m02s
